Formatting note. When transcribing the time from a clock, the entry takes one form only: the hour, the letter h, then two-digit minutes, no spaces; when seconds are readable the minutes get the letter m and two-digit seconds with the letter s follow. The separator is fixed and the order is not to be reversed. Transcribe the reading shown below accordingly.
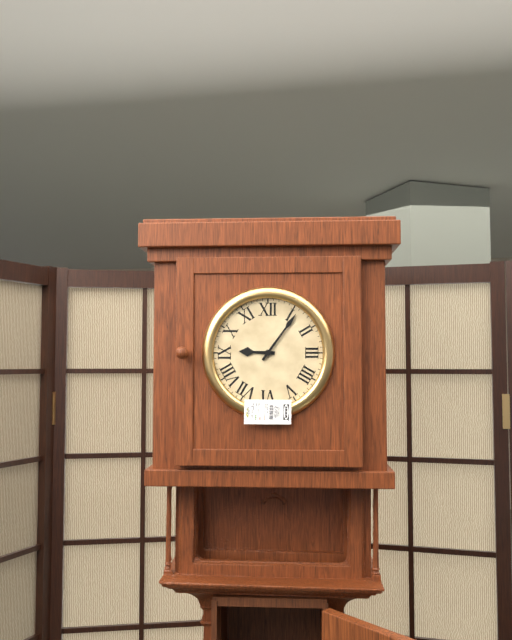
9h06
